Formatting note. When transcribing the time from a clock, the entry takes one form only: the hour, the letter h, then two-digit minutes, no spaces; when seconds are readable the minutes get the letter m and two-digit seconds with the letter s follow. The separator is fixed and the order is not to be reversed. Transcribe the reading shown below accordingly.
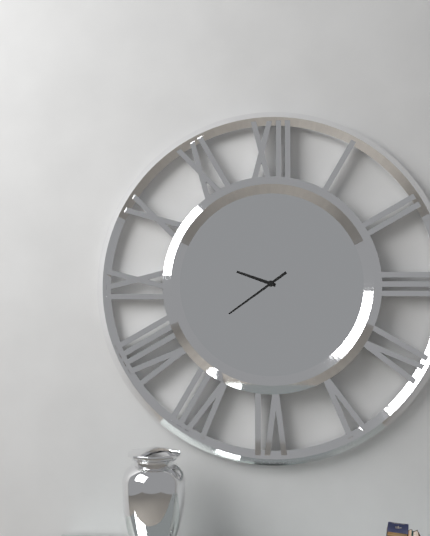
9h39
